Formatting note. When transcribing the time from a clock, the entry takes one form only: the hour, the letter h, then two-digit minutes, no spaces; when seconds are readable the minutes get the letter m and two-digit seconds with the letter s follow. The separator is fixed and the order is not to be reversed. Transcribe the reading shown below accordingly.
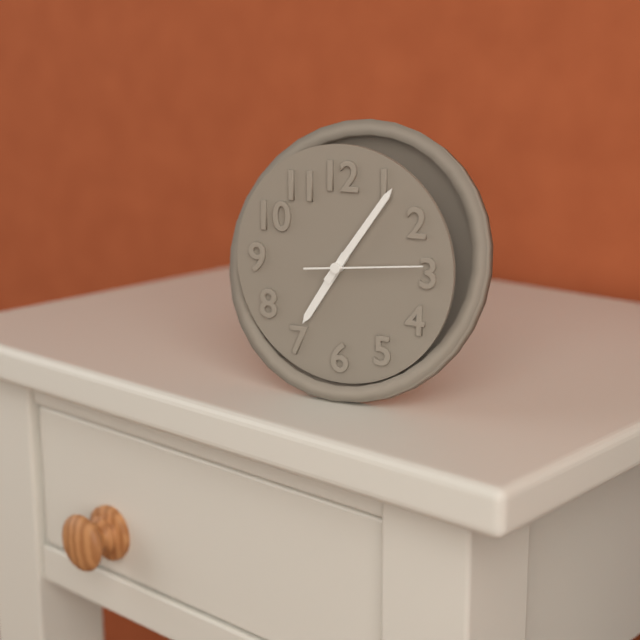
7h06m14s
